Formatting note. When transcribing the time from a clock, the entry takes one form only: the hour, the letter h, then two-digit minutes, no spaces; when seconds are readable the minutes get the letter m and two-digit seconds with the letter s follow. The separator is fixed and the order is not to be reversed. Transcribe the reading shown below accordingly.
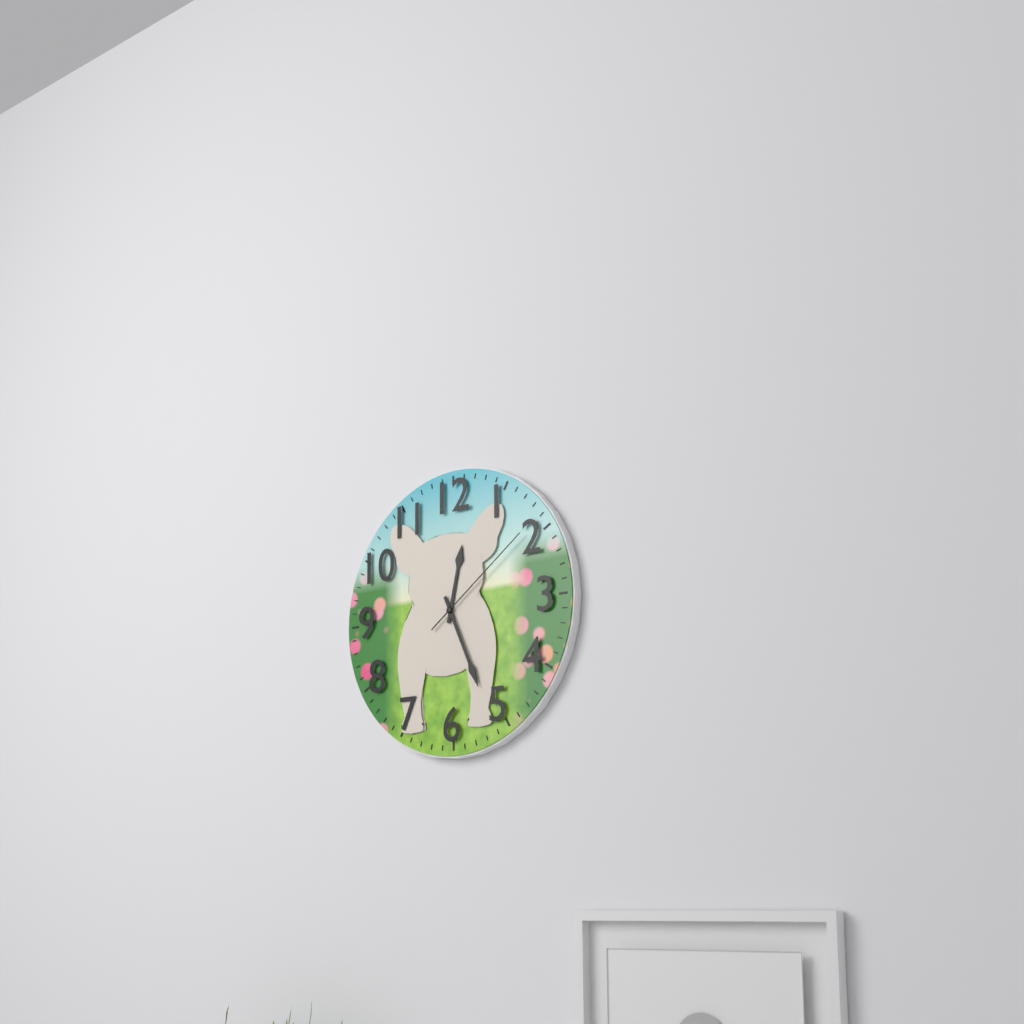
12h26m09s
